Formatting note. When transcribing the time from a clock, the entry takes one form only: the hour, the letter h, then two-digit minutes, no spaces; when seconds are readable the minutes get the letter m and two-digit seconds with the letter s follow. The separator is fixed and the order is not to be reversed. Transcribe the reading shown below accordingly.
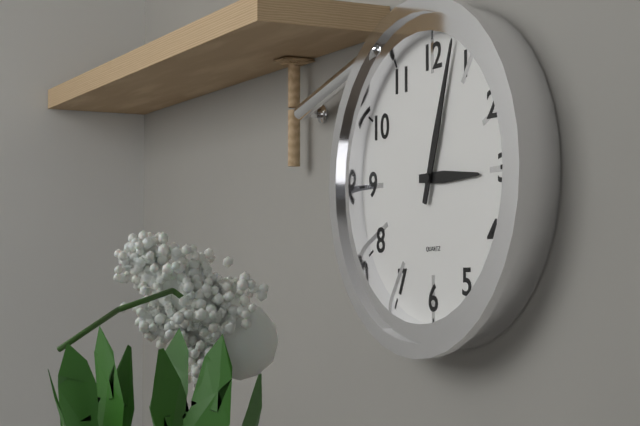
3h03
